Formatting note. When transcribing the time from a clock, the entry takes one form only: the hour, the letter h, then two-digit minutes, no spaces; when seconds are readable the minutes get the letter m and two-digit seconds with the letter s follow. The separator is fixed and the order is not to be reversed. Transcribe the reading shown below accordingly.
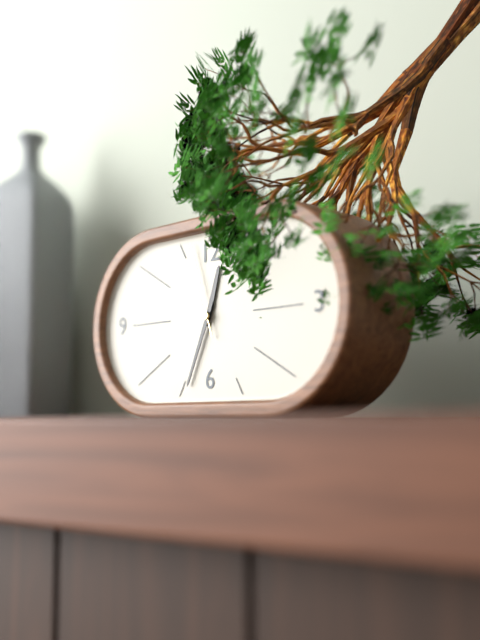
12h34m57s
